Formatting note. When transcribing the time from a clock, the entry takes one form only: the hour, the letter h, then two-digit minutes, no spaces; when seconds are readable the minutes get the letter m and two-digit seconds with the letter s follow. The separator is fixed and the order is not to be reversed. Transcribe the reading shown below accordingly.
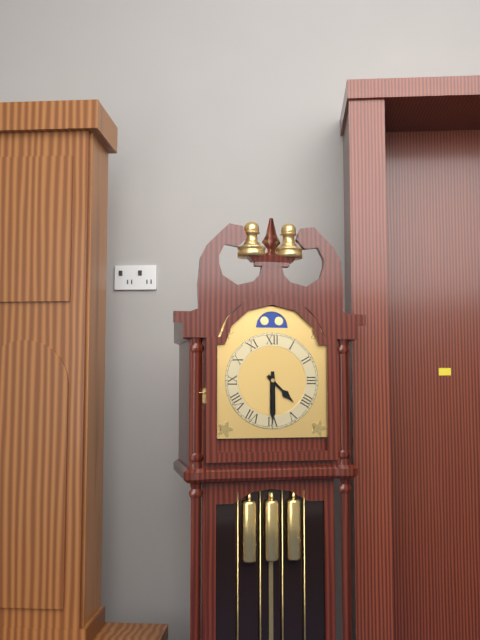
4h30
